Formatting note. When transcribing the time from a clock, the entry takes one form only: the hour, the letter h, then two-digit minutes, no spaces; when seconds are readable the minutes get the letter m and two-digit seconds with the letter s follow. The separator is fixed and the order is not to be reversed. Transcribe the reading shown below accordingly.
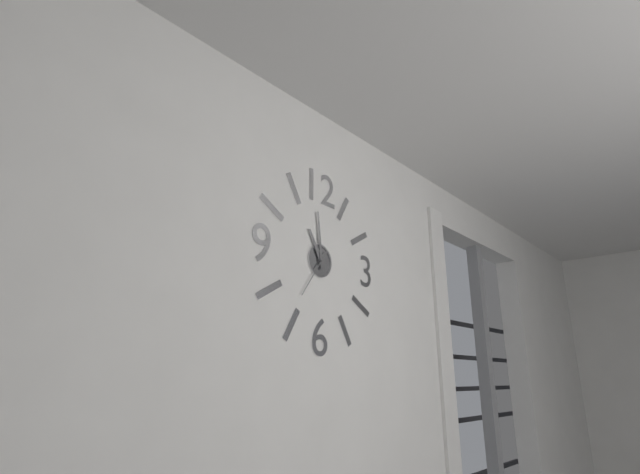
10h59m36s
